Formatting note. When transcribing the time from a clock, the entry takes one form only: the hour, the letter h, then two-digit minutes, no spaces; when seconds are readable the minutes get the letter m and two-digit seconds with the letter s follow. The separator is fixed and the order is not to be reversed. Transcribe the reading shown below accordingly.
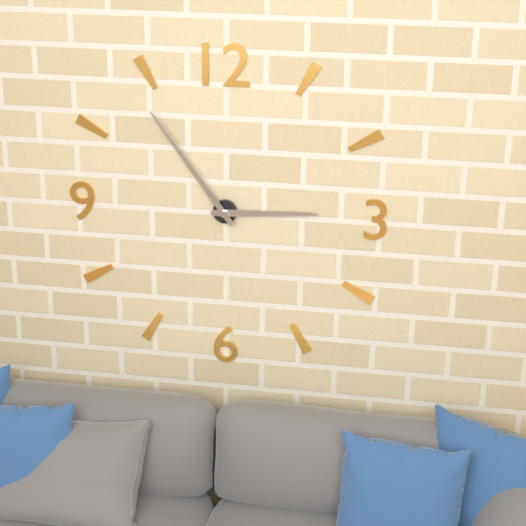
2h54
